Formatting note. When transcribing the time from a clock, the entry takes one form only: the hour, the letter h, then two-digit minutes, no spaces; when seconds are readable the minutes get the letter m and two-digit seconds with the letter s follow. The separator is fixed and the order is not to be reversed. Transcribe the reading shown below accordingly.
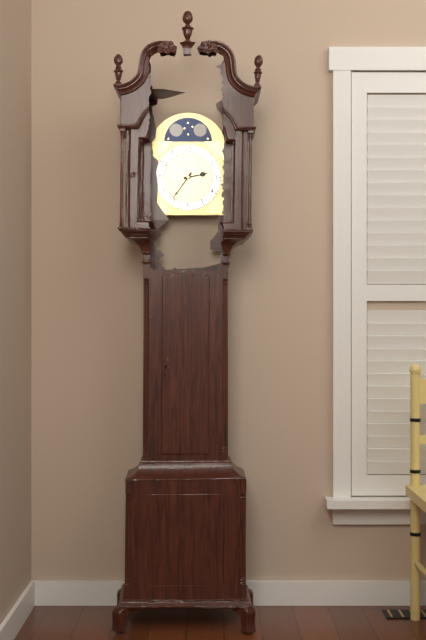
2h36
